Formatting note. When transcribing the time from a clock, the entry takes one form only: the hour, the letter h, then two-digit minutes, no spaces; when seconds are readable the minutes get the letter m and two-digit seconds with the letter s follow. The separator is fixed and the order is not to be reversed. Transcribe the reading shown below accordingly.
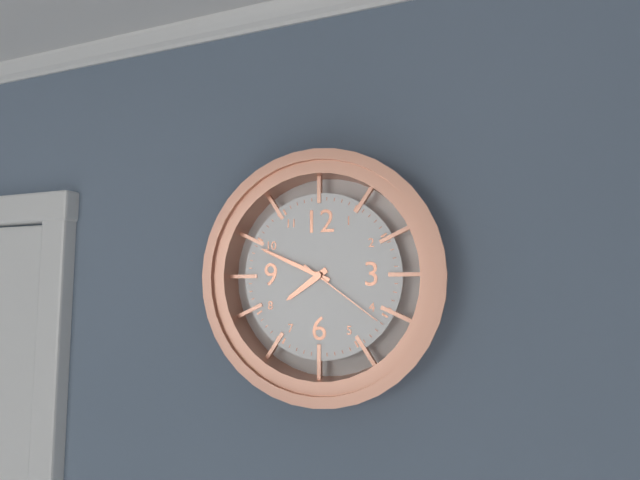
7h49m21s
